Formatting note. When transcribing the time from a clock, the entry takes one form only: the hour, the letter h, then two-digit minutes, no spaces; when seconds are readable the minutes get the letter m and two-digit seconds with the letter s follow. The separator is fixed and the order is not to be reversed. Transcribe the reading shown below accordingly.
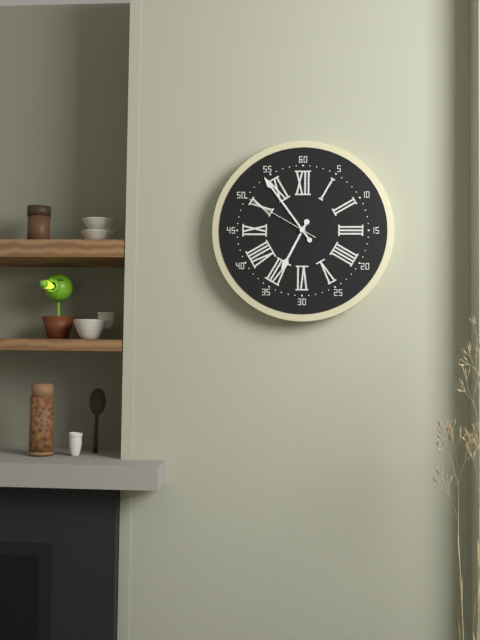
6h54m50s
